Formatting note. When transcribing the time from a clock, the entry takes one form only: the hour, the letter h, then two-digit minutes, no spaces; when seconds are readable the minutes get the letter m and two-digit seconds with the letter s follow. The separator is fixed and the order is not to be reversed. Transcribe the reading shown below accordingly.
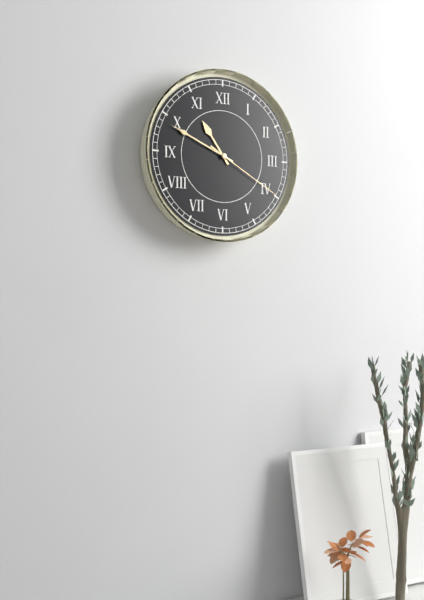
10h49m20s
